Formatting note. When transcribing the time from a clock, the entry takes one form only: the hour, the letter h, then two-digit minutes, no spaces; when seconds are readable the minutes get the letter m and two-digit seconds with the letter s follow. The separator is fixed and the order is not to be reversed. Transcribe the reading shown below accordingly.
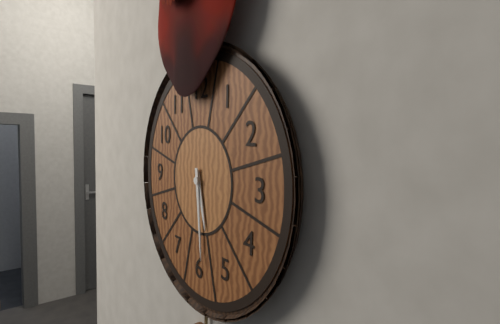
5h29
